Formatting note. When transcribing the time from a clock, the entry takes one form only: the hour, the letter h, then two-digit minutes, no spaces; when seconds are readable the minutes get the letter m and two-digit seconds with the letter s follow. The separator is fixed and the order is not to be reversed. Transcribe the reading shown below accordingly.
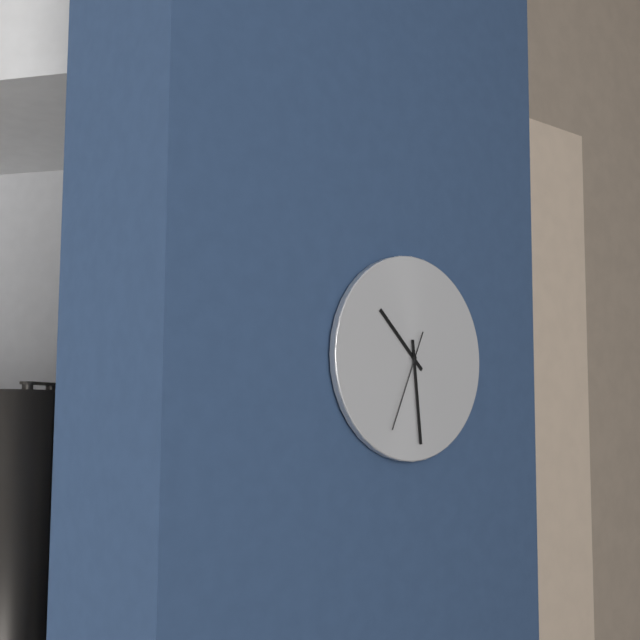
10h29m34s
